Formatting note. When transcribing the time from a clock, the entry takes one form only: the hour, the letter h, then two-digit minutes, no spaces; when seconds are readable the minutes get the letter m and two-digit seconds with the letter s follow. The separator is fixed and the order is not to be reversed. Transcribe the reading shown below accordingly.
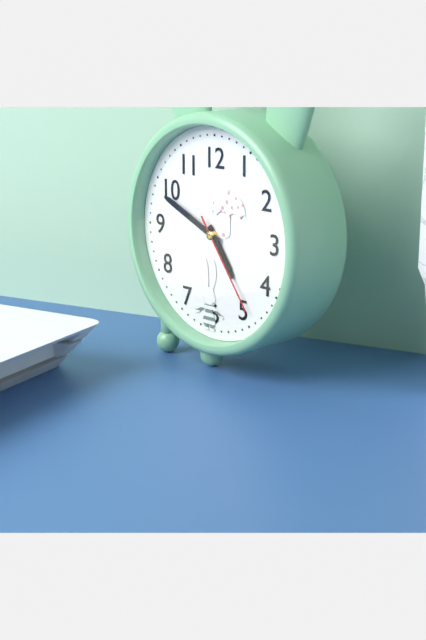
4h49m24s
